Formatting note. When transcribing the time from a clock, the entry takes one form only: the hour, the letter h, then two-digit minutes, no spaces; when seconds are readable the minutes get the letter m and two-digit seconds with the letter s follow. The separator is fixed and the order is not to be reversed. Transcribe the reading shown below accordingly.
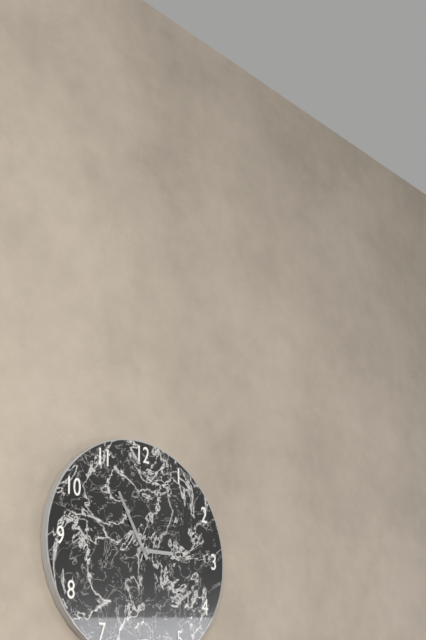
2h55
